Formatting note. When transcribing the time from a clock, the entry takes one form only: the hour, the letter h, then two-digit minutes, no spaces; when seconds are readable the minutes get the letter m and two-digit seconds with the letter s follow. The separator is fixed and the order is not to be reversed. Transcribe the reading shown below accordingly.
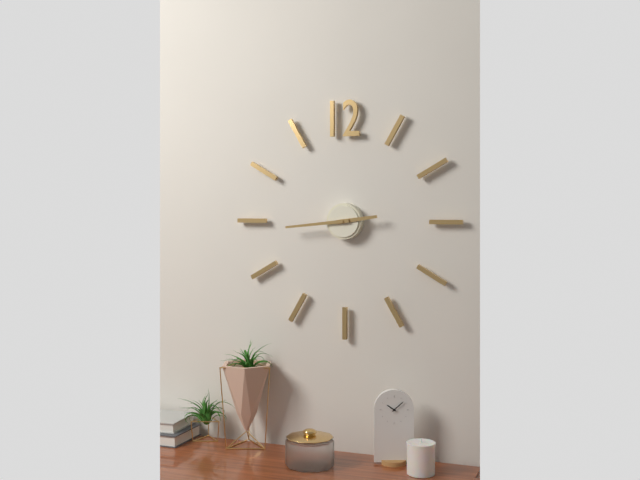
2h44
